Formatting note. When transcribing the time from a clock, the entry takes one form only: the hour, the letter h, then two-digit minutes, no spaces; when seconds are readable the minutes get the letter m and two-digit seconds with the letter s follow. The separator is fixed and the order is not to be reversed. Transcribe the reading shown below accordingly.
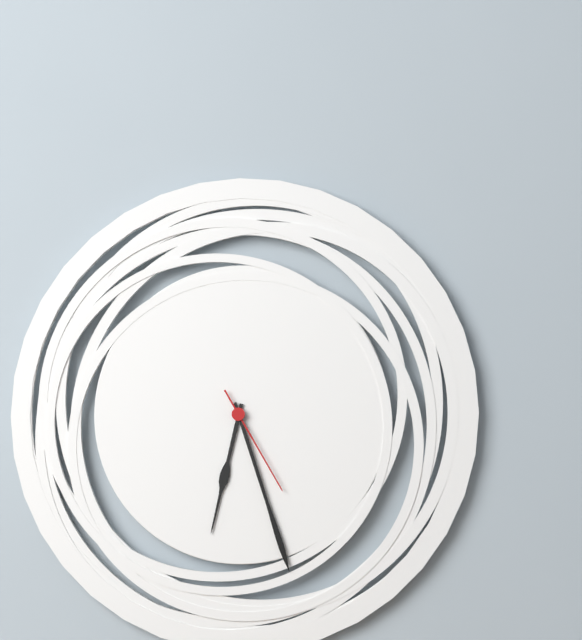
6h27m25s
